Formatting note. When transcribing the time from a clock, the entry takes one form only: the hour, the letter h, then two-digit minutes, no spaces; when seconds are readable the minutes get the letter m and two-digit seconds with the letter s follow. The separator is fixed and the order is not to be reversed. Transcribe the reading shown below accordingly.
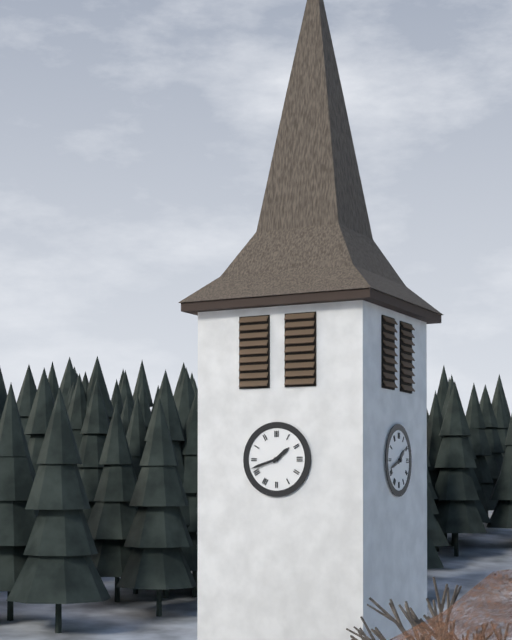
1h42
